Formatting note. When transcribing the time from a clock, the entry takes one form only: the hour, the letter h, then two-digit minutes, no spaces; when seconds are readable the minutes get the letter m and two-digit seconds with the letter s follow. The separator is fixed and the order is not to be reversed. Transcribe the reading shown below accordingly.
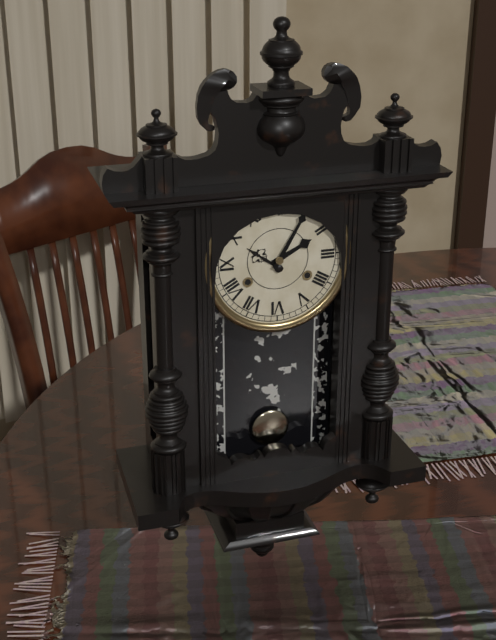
2h05
